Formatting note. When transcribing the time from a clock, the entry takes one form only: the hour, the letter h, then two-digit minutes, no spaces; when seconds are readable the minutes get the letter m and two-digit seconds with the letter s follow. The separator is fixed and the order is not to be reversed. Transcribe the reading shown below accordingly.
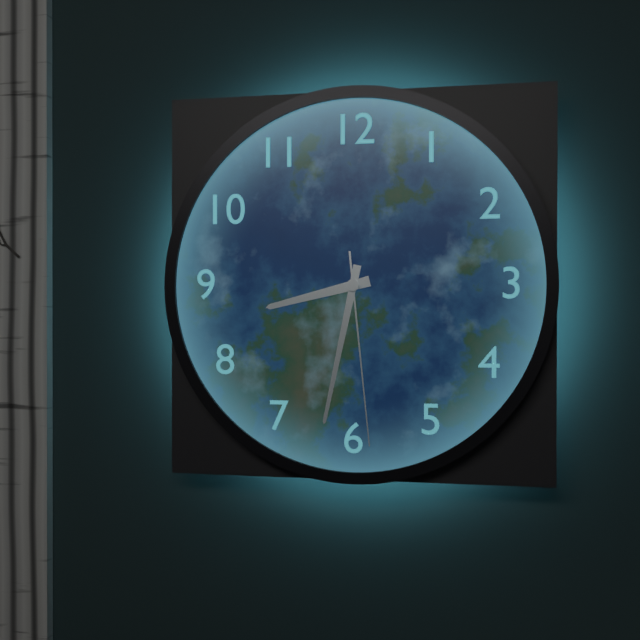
8h32m29s
